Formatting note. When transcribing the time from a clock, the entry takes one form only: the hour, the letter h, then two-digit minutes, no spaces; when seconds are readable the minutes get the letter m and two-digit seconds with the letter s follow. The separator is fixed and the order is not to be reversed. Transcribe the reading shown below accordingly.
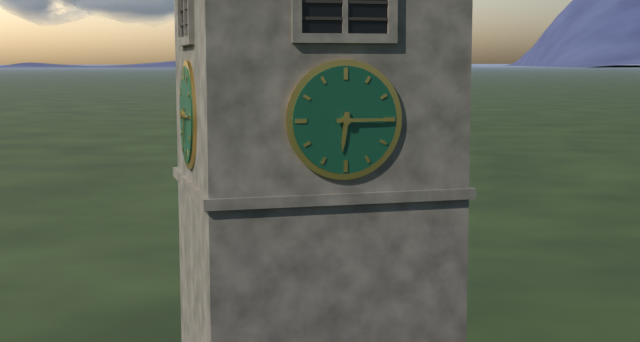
6h15
